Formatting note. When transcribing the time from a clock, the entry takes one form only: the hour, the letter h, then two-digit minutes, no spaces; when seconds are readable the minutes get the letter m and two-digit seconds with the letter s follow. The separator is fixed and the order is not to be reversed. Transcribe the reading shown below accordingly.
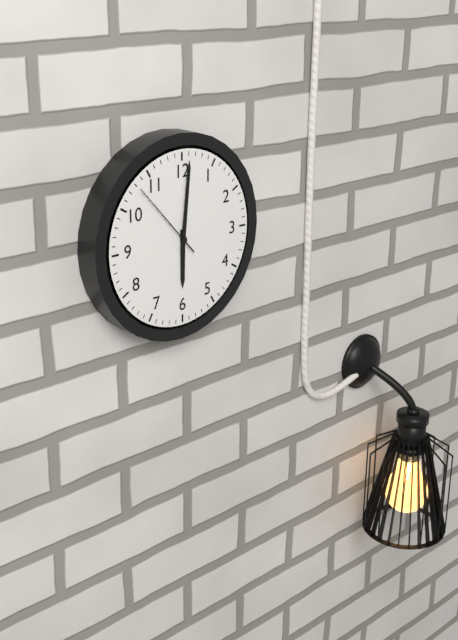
6h01m53s
